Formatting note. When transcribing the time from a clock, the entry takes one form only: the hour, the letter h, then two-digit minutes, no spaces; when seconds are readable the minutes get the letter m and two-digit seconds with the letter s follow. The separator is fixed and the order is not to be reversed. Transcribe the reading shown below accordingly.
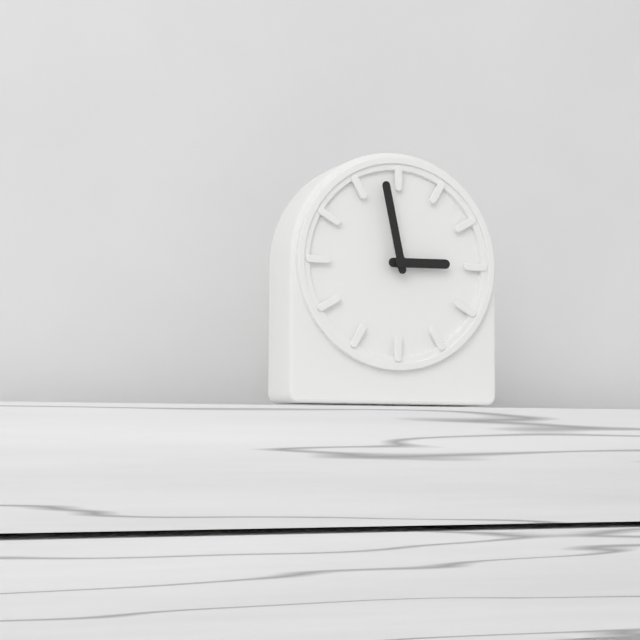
2h58
